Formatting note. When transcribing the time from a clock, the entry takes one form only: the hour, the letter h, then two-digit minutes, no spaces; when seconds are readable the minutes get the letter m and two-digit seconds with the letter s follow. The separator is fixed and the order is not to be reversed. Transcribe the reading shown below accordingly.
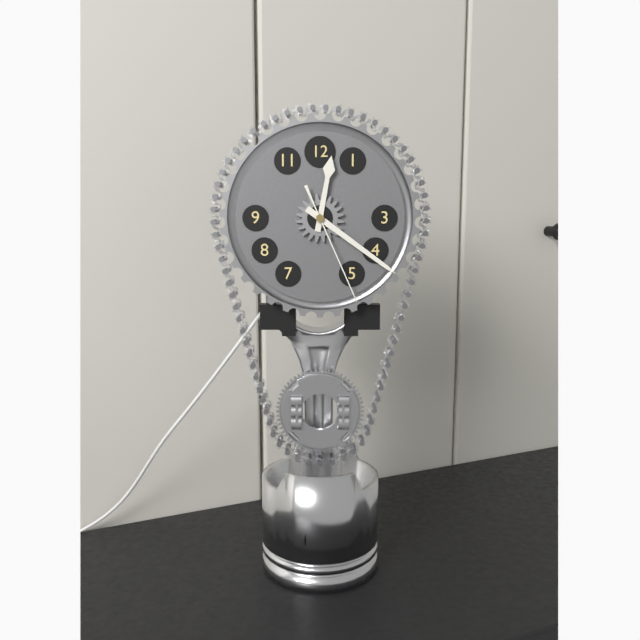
12h21m26s
